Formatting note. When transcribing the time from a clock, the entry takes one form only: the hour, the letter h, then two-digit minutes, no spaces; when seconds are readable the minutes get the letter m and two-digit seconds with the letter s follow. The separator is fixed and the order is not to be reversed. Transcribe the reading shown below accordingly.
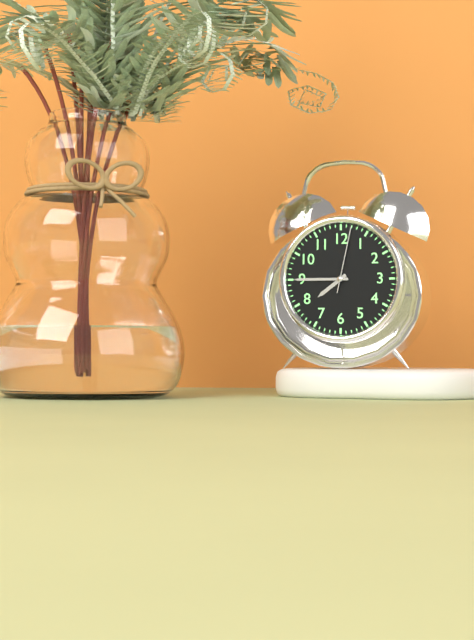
7h45m02s
